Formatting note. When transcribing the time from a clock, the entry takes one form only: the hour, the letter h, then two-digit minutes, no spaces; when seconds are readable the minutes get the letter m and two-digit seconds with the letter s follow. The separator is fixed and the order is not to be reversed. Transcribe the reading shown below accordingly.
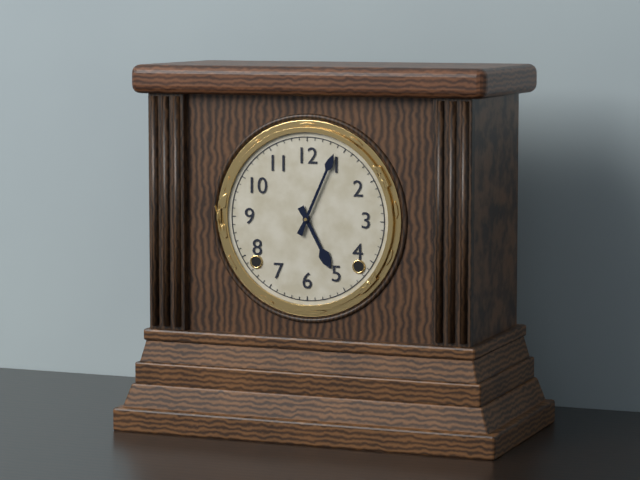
5h04
